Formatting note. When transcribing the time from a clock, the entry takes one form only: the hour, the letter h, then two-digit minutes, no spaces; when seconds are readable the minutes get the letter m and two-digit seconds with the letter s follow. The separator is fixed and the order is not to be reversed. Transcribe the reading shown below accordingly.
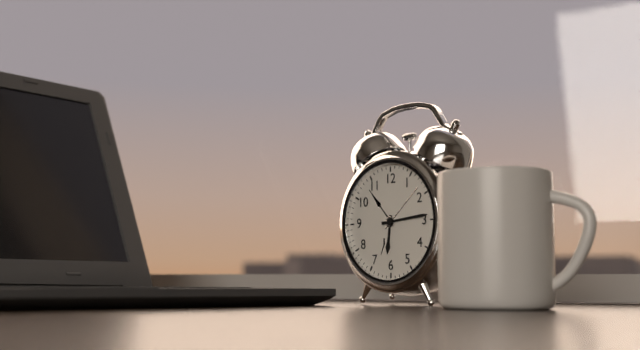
6h14
